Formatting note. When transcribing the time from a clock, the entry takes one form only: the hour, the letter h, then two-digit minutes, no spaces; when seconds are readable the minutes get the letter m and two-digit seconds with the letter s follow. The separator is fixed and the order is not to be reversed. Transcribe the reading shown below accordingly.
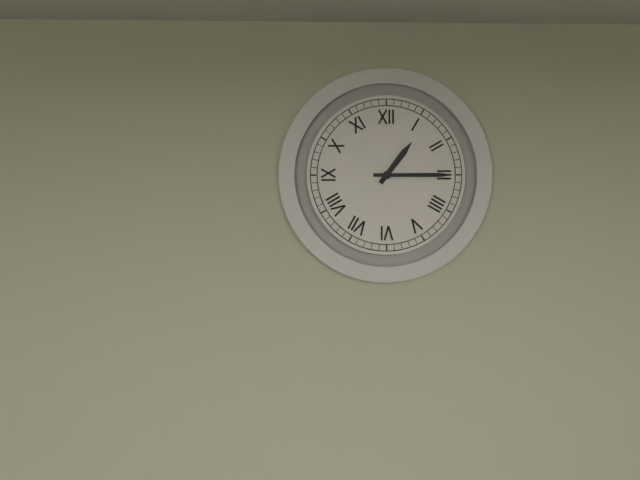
1h15
